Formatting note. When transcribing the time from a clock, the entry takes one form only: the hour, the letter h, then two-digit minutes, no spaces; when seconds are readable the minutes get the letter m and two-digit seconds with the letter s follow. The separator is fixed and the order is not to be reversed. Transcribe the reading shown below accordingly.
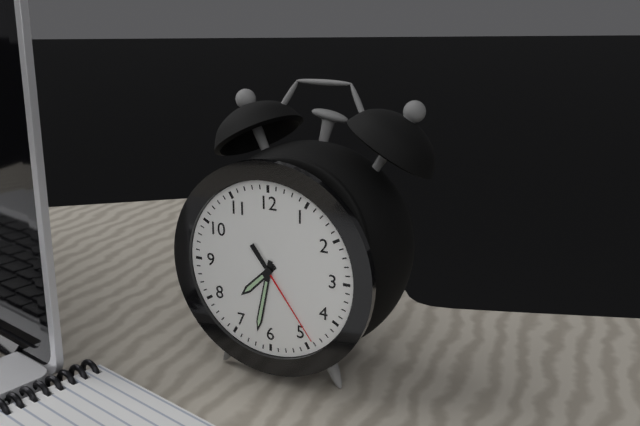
7h32m24s
